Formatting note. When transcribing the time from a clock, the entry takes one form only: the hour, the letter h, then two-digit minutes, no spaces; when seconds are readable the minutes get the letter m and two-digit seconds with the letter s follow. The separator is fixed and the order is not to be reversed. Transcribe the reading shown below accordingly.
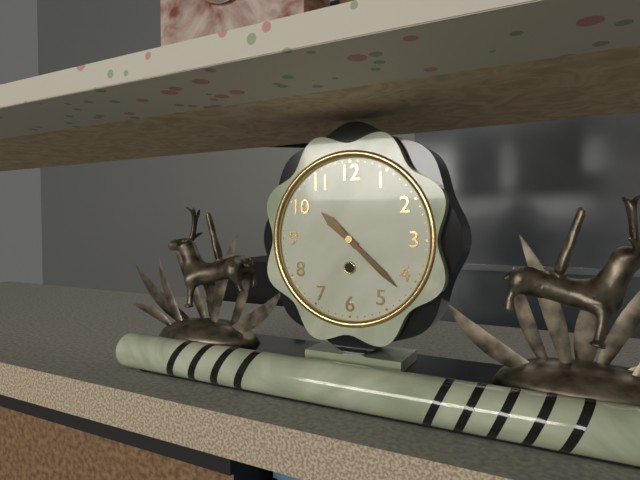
10h22
